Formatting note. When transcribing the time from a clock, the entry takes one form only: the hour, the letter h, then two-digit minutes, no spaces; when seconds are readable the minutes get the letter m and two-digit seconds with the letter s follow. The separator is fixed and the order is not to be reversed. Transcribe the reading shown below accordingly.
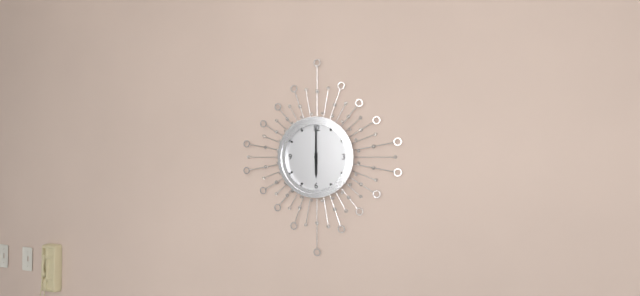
6h00
